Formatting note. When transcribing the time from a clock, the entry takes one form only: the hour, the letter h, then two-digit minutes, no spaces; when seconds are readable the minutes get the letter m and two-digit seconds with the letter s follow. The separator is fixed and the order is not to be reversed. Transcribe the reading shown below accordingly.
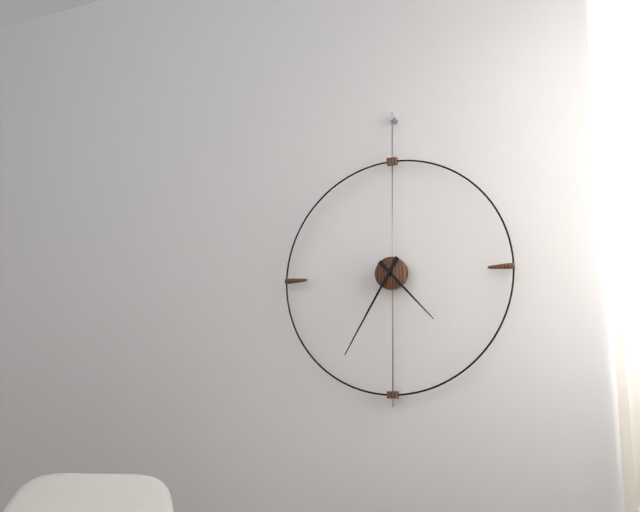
4h35
